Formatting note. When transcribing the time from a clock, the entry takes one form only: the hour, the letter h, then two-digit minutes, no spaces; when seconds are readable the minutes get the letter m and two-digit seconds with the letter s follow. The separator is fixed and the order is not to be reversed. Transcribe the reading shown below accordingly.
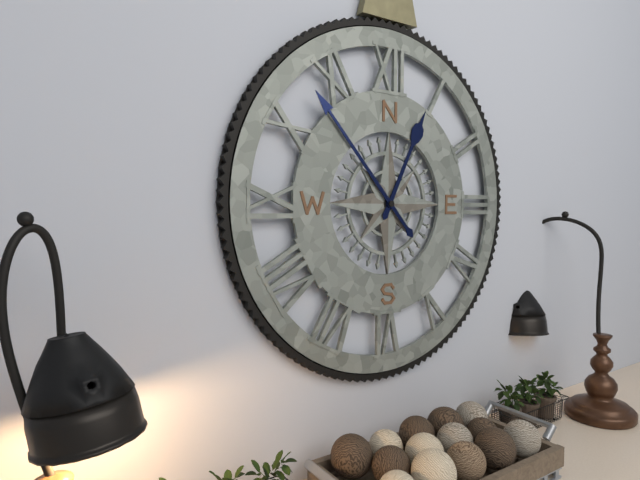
12h53
